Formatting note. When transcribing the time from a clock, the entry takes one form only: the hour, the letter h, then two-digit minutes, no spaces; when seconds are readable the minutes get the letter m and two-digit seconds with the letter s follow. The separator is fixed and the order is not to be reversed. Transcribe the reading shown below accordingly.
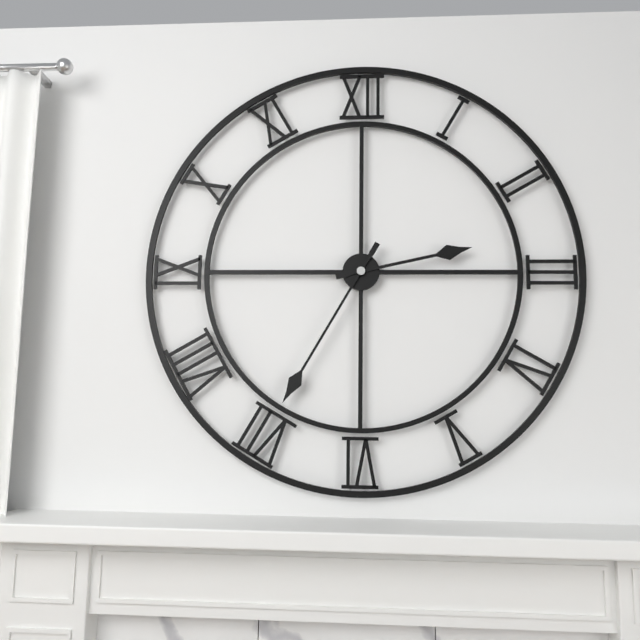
2h35
